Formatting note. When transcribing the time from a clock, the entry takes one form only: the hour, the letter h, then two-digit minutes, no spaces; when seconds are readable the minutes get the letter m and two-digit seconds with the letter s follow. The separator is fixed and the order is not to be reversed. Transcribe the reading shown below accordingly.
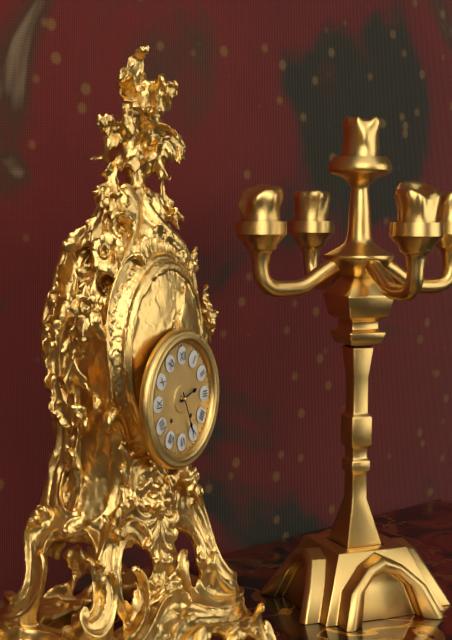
2h26
